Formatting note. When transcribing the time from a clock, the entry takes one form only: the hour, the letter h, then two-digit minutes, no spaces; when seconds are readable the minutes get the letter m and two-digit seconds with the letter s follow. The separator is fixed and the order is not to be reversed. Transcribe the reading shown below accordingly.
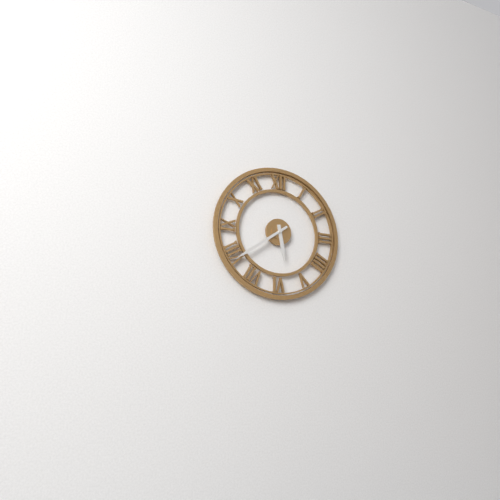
5h39
